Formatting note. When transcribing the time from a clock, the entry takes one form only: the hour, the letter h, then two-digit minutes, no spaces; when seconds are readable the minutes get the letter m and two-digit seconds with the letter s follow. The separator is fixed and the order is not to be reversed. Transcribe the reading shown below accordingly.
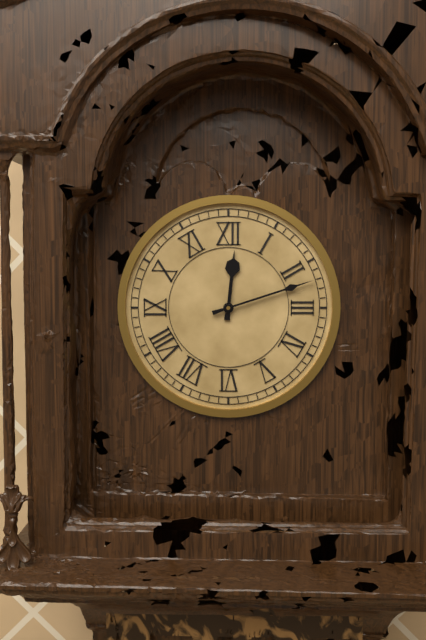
12h12
